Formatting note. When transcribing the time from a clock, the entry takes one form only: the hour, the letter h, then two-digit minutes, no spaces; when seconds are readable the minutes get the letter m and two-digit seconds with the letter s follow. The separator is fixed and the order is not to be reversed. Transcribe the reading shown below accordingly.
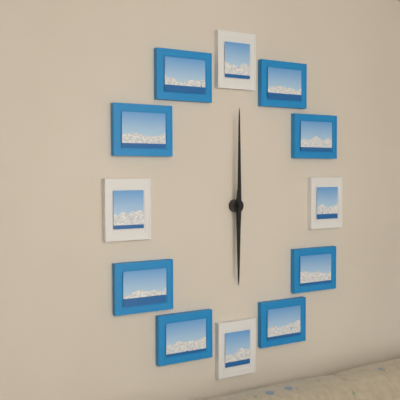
6h00
